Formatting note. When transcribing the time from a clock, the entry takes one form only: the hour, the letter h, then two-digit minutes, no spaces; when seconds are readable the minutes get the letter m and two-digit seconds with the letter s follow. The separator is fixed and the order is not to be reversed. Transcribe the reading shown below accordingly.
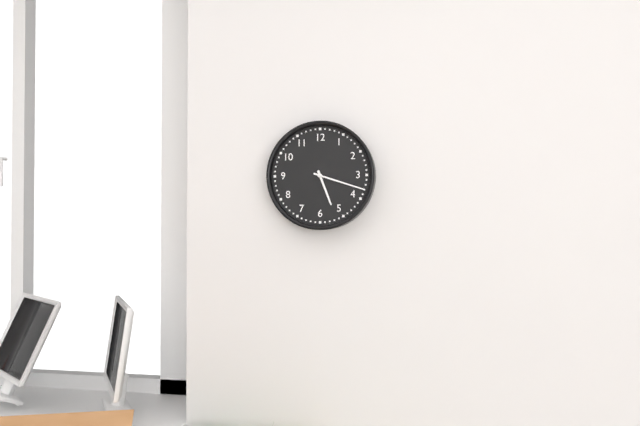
5h18
